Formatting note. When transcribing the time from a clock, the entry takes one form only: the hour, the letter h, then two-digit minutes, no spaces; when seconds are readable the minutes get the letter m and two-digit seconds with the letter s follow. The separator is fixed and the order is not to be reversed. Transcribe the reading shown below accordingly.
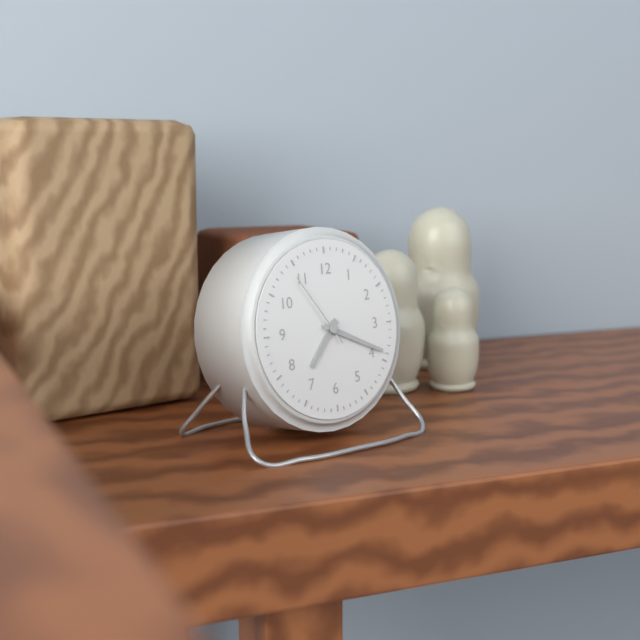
7h19m54s
